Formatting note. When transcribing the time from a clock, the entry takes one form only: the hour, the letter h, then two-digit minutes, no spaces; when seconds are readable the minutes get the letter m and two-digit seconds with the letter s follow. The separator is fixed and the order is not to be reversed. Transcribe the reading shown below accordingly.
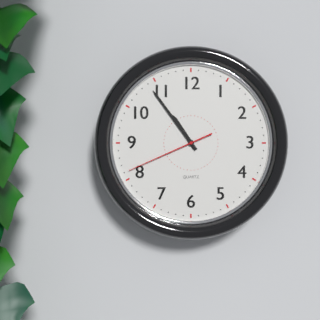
10h54m41s
